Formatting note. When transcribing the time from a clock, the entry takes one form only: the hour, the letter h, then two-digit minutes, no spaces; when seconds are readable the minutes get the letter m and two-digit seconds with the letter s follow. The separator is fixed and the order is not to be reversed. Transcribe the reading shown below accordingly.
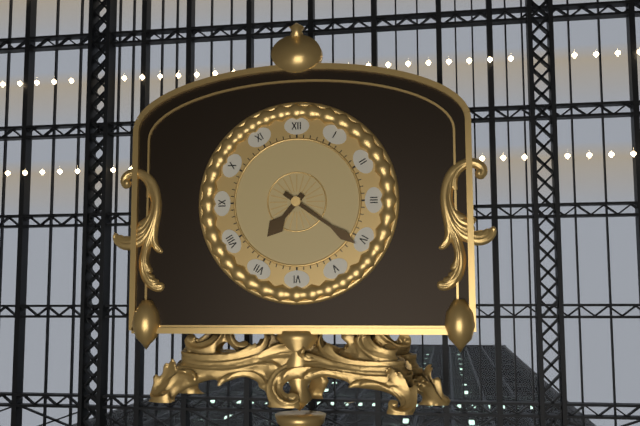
7h21
